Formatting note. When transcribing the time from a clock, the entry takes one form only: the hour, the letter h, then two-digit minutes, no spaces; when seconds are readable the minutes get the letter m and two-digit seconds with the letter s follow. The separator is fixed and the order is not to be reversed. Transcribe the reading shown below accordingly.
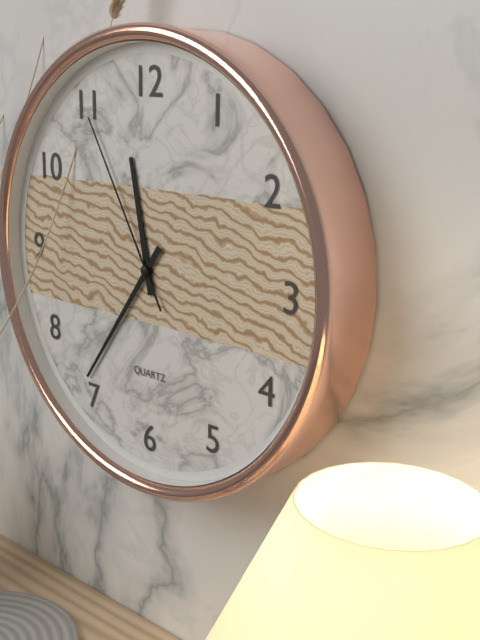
11h36m55s
